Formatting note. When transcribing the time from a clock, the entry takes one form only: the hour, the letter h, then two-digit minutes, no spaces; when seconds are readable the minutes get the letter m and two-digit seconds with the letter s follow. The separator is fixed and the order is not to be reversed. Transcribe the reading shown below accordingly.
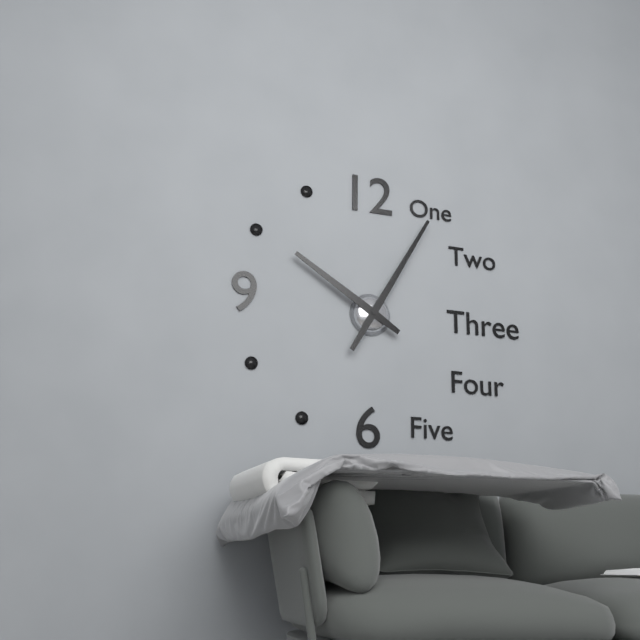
10h05
